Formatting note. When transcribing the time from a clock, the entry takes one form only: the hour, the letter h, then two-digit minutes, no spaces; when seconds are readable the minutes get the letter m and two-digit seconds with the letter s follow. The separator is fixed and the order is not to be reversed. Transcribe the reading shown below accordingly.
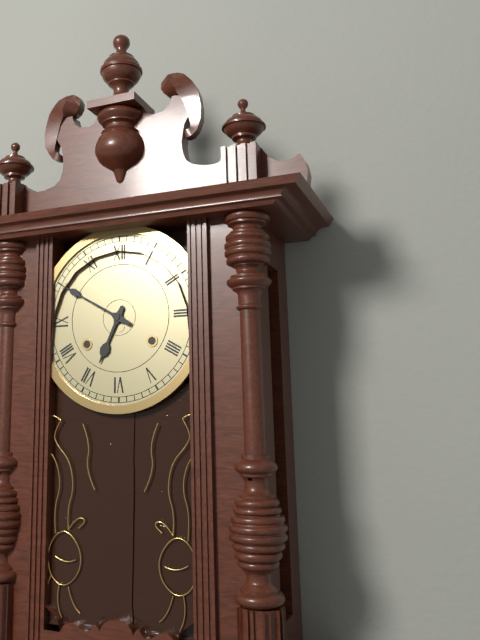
6h50
